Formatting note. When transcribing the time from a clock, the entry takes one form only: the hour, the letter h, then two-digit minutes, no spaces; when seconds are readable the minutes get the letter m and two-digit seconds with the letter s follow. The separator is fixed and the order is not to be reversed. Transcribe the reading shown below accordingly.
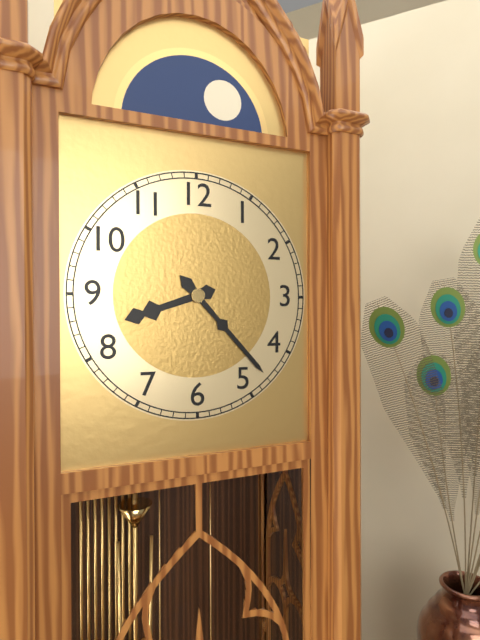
8h23
